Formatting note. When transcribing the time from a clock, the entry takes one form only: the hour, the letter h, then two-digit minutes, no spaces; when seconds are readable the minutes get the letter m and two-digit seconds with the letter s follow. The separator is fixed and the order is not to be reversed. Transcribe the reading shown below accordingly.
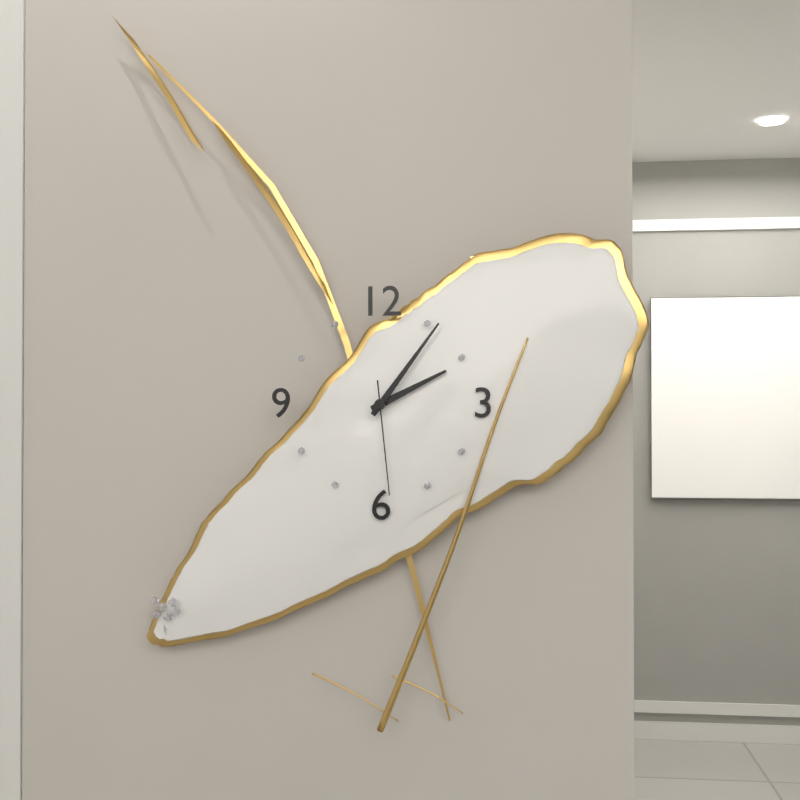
2h06m29s
